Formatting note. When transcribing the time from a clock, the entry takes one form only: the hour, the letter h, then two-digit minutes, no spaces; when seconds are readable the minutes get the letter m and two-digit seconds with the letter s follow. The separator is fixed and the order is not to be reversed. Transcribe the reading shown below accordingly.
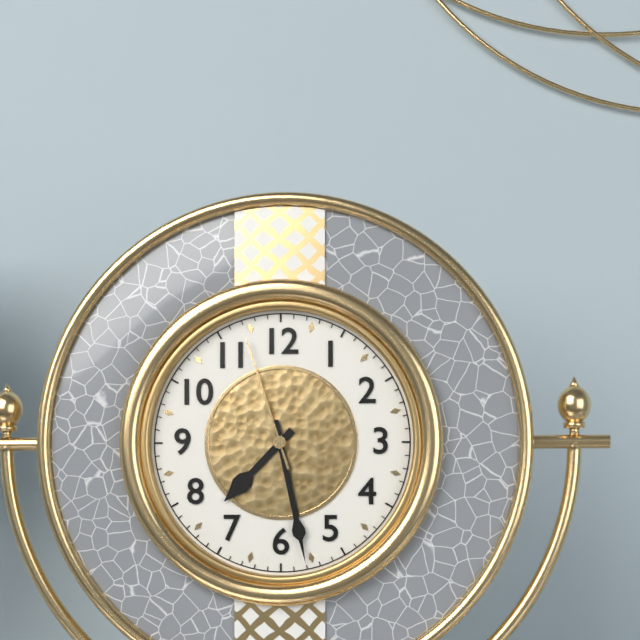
7h28m57s
